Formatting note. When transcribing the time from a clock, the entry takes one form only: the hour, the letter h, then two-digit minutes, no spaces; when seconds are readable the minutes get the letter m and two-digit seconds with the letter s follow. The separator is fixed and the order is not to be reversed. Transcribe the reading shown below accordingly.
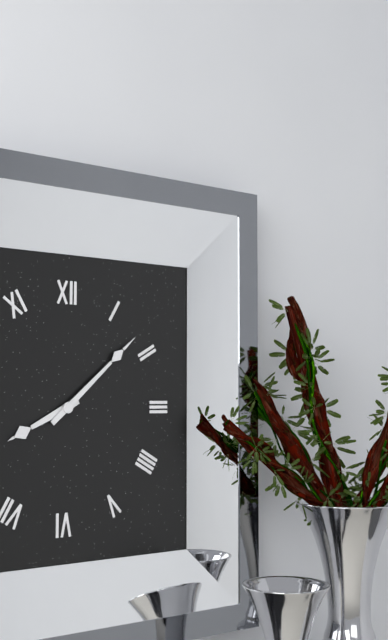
8h08
